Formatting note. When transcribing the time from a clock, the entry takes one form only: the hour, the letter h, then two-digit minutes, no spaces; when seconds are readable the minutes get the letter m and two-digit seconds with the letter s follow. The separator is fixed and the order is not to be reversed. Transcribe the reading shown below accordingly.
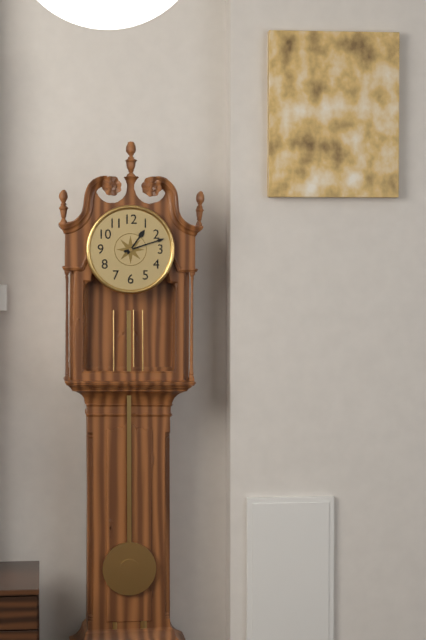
1h12
